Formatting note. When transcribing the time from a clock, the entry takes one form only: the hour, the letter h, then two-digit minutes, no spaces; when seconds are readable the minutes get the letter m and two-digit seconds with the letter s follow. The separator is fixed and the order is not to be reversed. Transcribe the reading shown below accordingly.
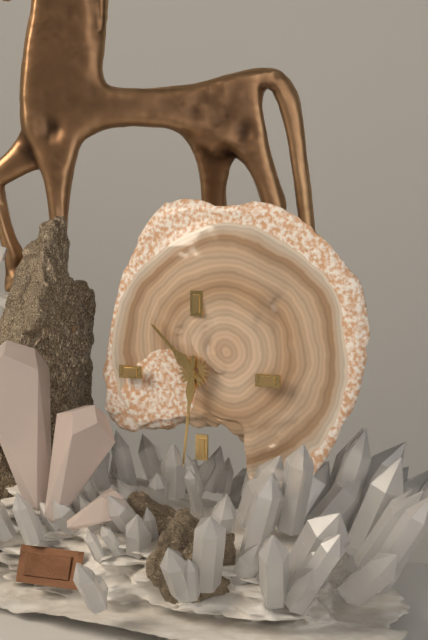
10h31
